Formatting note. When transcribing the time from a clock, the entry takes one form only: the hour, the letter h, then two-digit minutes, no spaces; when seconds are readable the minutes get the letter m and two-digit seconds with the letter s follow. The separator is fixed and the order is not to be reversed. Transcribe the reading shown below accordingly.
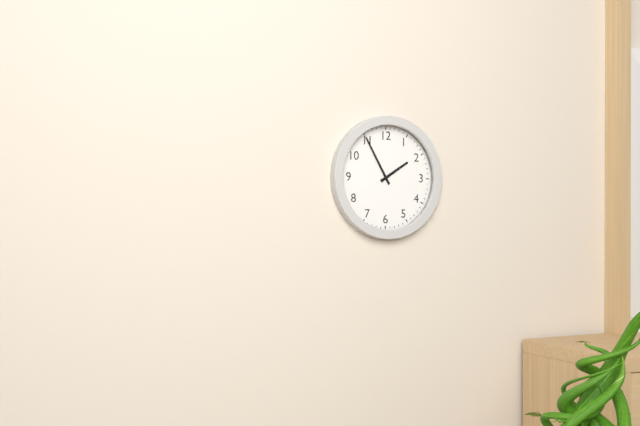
1h55
